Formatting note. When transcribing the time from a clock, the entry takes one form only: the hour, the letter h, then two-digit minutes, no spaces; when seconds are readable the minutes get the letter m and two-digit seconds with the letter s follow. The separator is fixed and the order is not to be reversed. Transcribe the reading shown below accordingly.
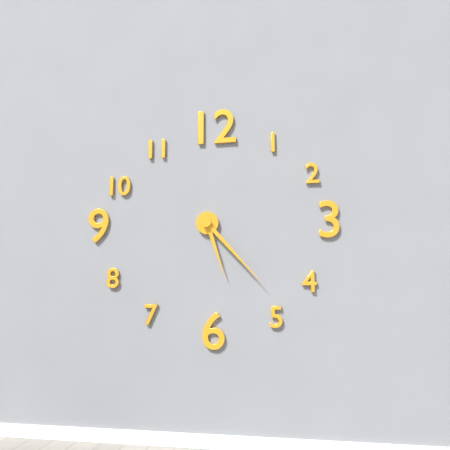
5h23
